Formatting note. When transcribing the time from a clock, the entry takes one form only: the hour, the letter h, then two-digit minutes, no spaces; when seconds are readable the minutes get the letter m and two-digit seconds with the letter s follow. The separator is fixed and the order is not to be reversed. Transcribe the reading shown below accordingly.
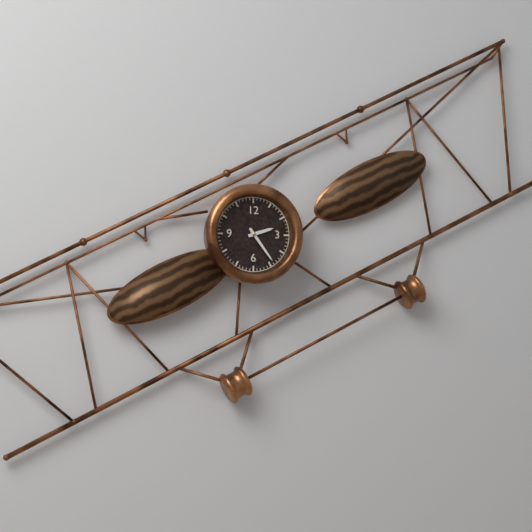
2h24
